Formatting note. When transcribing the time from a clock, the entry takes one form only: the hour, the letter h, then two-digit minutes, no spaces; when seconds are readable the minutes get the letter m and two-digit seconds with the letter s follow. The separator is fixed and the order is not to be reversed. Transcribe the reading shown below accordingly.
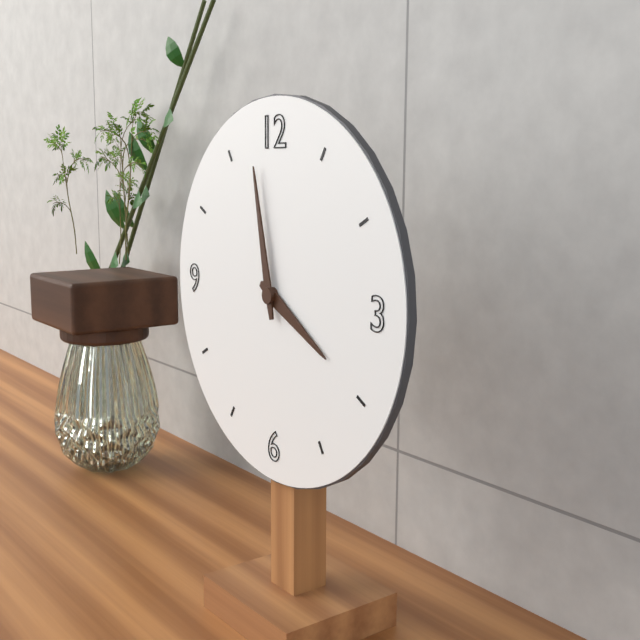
3h58
